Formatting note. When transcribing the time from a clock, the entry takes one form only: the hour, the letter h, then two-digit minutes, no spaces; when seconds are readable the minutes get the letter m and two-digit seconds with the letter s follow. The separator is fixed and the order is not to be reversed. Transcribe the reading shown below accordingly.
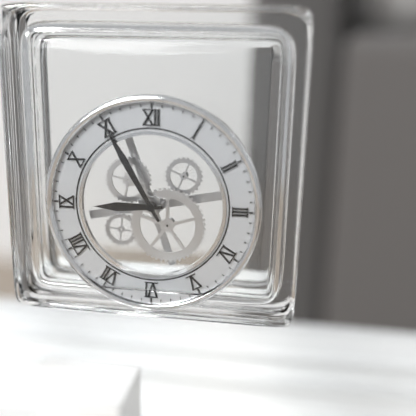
8h55
